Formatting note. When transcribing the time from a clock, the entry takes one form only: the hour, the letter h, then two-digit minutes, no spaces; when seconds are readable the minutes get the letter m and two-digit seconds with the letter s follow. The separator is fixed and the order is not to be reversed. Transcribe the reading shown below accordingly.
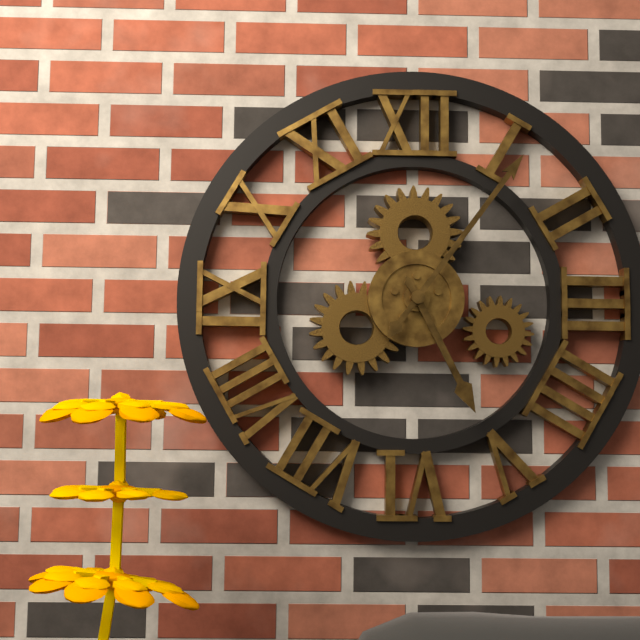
5h06
